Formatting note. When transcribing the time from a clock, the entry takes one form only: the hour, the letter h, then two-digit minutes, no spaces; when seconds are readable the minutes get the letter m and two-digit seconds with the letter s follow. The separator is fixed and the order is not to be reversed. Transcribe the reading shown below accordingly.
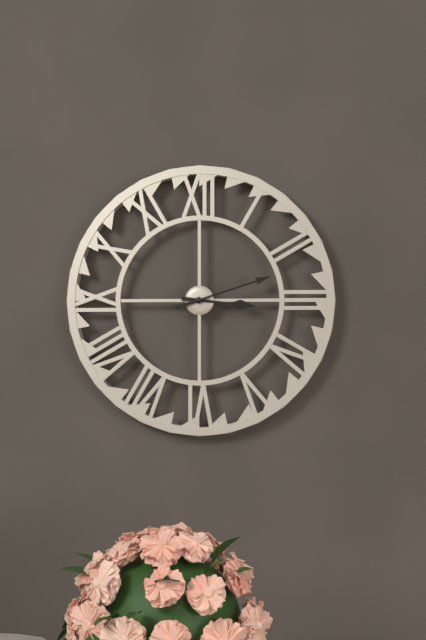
3h12
